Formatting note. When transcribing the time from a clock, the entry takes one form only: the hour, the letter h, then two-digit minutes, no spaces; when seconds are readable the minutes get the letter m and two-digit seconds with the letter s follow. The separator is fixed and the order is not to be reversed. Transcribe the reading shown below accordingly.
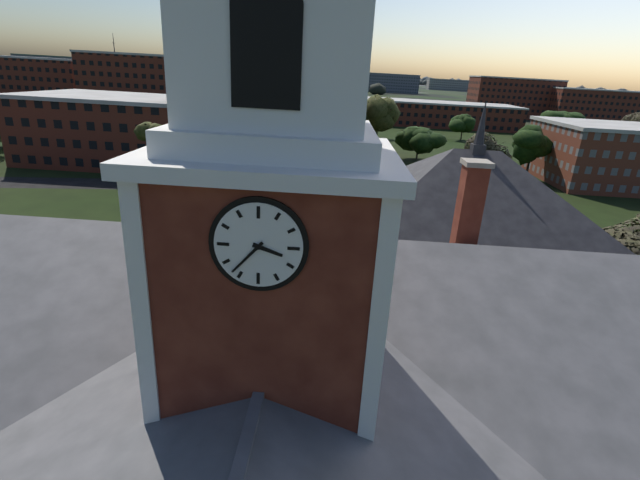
3h37
